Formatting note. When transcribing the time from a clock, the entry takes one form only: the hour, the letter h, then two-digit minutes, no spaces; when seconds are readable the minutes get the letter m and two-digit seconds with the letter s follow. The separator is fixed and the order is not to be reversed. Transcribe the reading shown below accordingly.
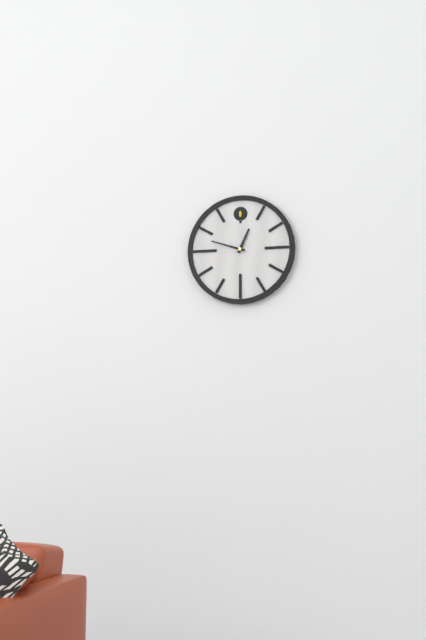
12h48
